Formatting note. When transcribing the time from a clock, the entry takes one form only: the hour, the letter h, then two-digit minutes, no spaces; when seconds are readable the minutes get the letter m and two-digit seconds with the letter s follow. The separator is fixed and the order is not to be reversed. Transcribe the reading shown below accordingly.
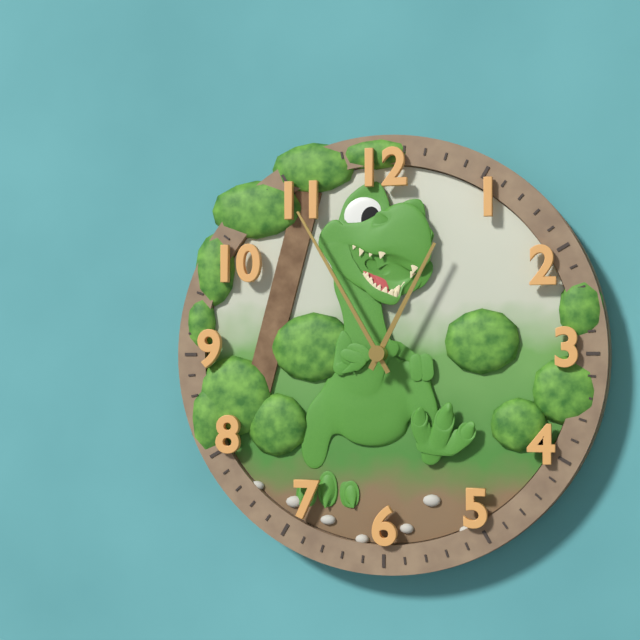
12h55
